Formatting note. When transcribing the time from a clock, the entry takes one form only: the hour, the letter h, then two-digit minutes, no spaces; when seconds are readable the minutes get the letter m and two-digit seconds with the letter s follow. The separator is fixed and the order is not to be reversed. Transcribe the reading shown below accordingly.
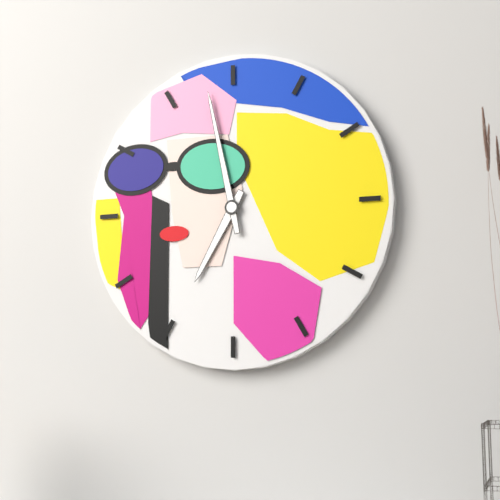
6h58
